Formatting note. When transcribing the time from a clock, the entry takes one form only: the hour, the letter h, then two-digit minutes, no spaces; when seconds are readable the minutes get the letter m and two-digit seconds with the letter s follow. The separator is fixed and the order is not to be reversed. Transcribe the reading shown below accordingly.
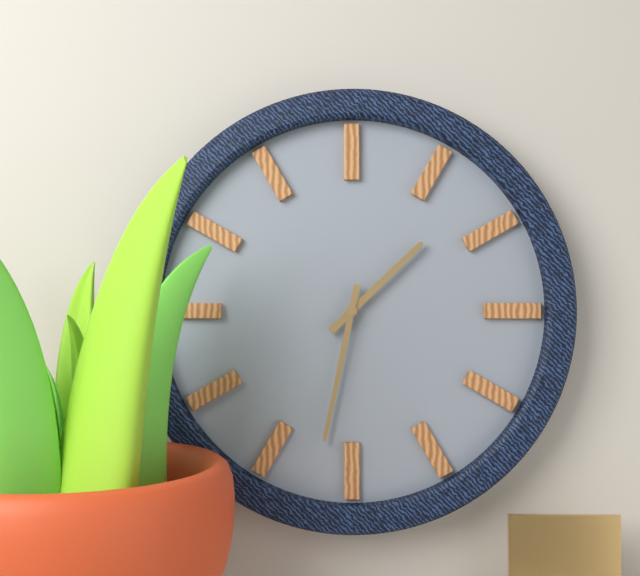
1h32
